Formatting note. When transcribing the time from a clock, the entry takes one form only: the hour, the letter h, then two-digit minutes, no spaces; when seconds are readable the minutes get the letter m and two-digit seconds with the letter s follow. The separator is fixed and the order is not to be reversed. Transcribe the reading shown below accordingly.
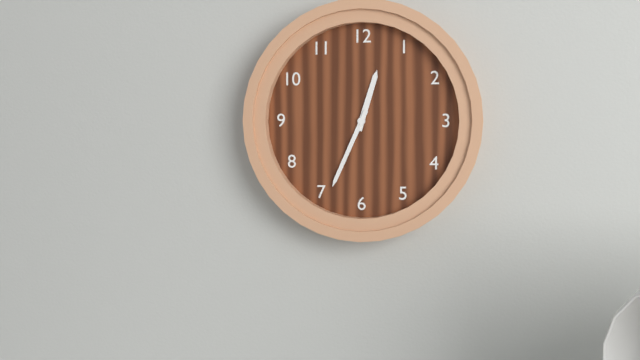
12h34
